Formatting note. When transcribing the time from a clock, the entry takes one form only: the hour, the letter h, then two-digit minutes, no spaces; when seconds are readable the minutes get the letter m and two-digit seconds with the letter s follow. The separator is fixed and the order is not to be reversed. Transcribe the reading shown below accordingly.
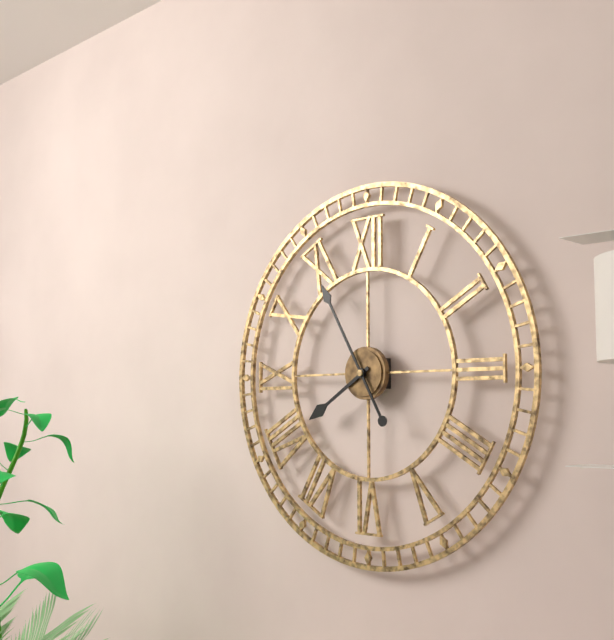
7h55
